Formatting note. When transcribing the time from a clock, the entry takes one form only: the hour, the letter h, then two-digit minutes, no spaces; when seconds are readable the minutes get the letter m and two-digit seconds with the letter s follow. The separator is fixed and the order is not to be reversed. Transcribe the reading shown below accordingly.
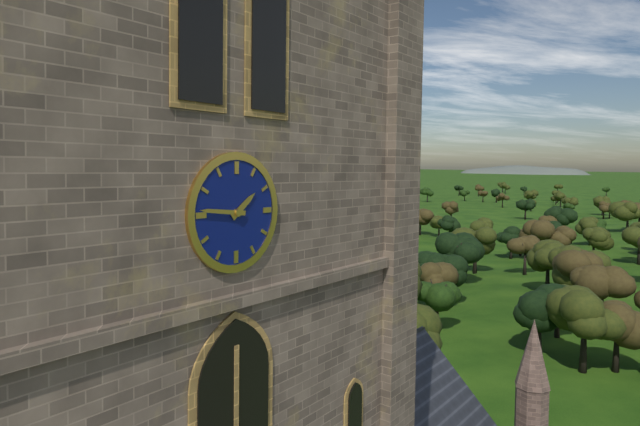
1h46
